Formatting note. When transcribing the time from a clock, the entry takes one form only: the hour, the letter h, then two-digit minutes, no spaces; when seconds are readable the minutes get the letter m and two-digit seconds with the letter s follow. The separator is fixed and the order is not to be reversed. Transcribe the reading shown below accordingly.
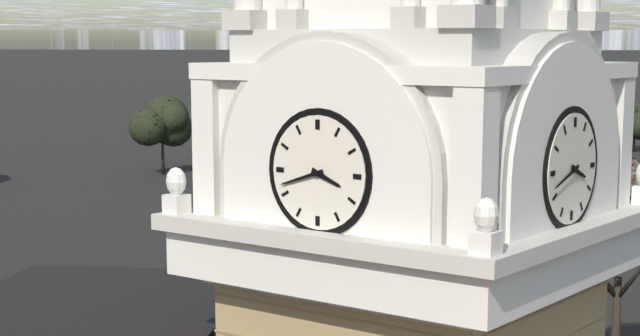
3h42
